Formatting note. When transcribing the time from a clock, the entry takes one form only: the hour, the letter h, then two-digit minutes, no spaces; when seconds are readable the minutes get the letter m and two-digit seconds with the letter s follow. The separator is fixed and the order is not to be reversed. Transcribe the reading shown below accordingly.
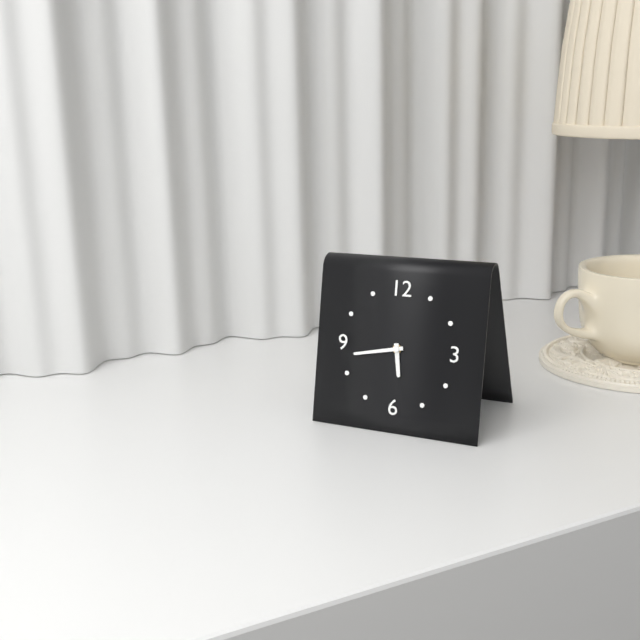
5h43
